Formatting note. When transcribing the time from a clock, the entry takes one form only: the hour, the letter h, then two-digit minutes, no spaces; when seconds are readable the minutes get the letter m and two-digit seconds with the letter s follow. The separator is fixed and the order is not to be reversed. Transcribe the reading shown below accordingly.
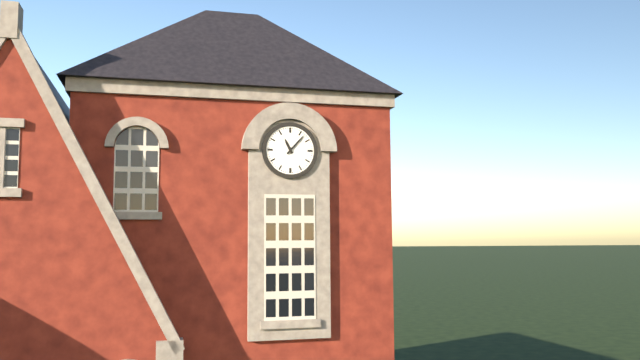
11h07
